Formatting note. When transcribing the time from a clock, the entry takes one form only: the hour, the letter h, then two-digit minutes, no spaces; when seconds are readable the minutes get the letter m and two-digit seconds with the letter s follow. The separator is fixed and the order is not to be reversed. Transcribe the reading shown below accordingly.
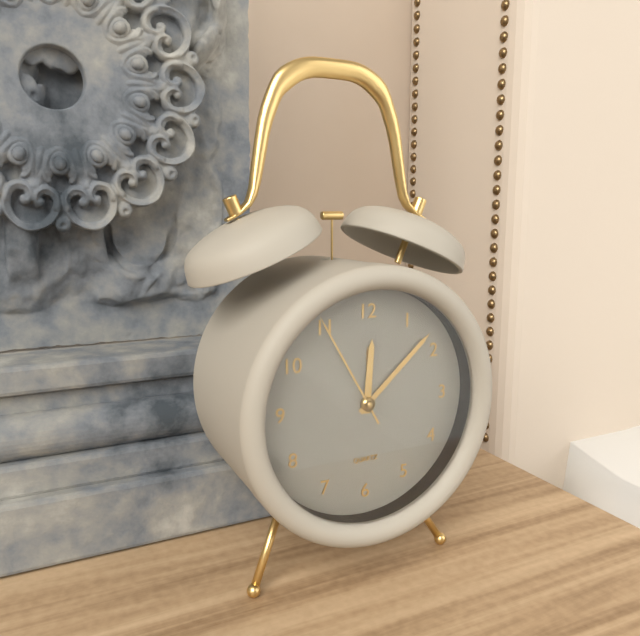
12h08m55s
